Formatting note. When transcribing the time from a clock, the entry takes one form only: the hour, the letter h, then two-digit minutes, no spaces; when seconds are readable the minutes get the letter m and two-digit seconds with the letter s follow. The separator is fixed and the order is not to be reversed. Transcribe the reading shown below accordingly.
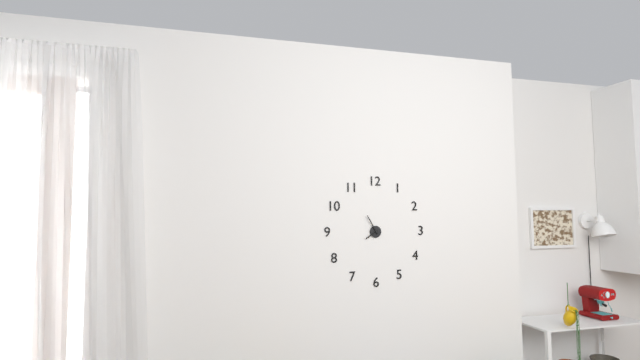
7h55
